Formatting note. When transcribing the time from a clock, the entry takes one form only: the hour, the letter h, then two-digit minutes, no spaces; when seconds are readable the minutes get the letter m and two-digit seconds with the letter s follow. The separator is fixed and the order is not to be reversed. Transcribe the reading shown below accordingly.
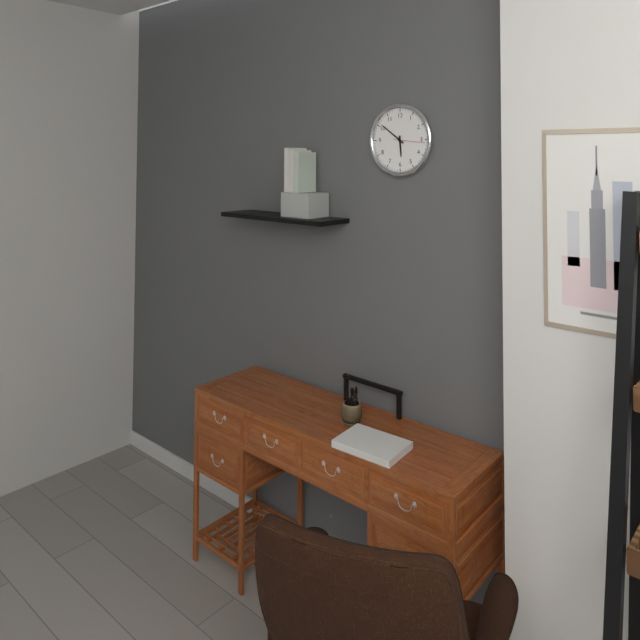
5h51
